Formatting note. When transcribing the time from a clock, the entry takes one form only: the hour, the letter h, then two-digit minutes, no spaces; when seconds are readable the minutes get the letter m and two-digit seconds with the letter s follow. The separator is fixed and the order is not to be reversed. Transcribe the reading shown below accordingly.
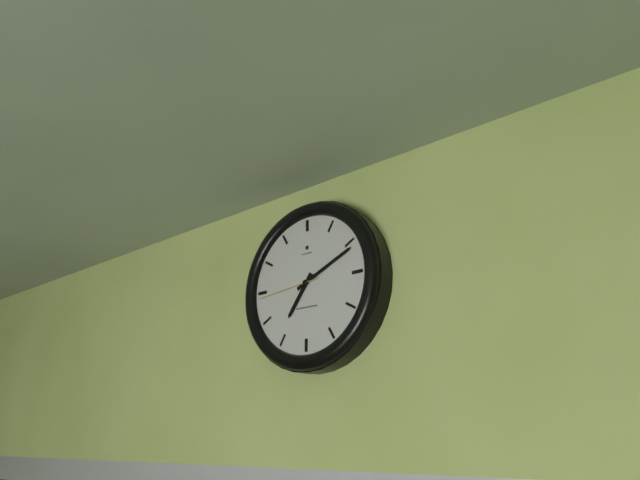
7h11m44s
